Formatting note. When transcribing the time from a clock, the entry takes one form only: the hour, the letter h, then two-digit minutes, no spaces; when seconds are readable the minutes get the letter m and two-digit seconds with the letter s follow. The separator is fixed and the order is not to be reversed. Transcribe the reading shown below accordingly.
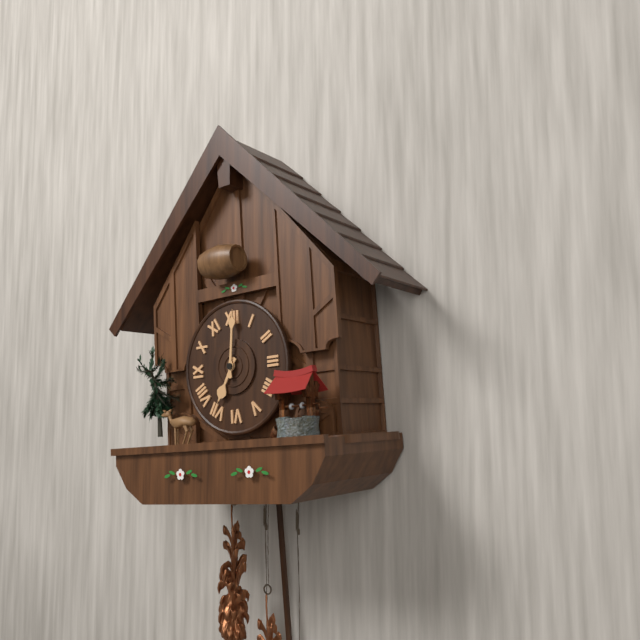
7h01
